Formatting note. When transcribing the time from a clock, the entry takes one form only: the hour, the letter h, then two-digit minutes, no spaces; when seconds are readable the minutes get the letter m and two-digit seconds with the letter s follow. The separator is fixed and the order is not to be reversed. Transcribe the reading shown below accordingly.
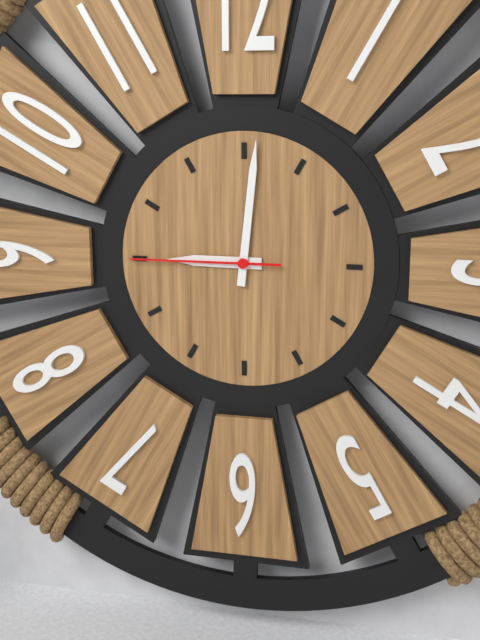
9h01m45s
